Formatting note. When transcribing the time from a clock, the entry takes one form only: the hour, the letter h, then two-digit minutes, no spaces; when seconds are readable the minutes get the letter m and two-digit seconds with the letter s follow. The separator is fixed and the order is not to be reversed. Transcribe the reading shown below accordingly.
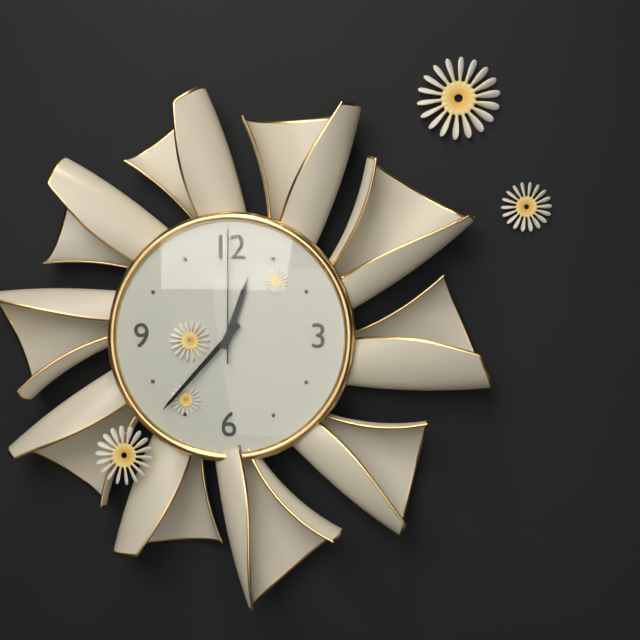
12h37m00s
